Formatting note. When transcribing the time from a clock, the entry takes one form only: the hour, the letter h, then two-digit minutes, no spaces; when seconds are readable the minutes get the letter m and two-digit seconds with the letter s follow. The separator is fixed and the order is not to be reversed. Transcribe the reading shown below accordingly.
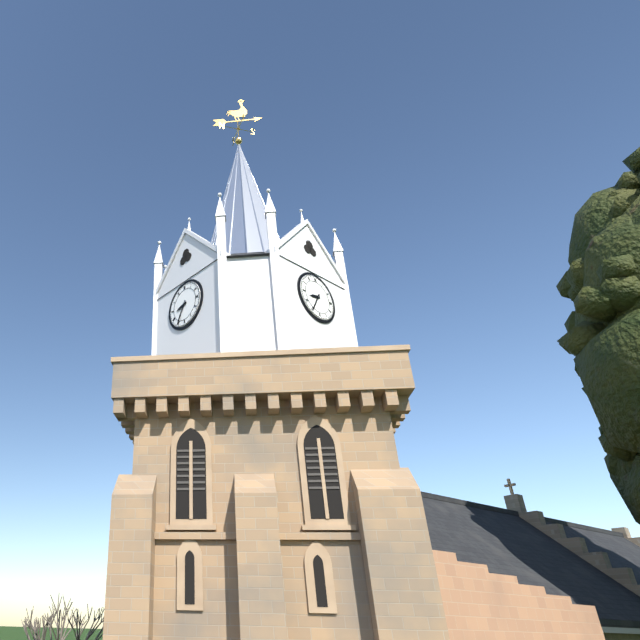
8h35
